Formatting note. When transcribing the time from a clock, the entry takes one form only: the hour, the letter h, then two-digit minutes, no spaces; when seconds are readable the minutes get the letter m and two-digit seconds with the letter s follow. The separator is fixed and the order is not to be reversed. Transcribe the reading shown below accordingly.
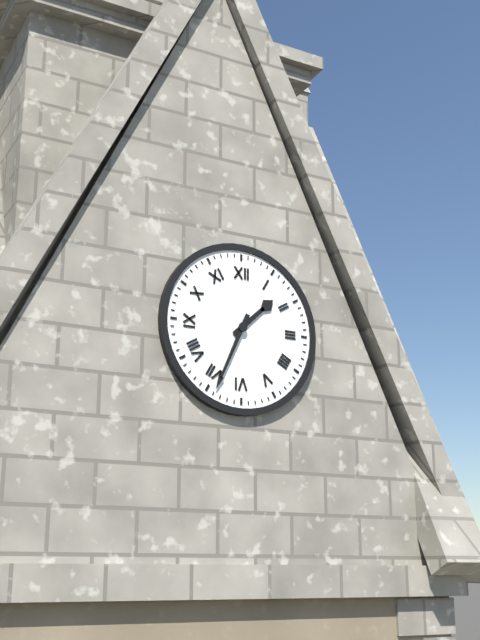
1h34
